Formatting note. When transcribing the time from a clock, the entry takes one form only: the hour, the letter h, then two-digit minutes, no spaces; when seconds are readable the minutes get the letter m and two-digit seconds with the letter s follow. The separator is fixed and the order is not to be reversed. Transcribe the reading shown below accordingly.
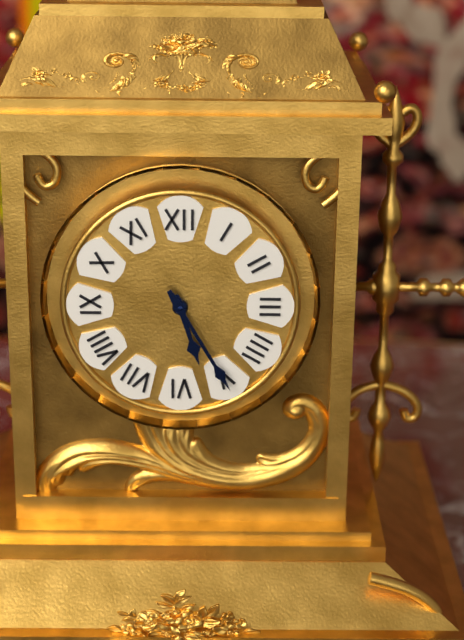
5h25
